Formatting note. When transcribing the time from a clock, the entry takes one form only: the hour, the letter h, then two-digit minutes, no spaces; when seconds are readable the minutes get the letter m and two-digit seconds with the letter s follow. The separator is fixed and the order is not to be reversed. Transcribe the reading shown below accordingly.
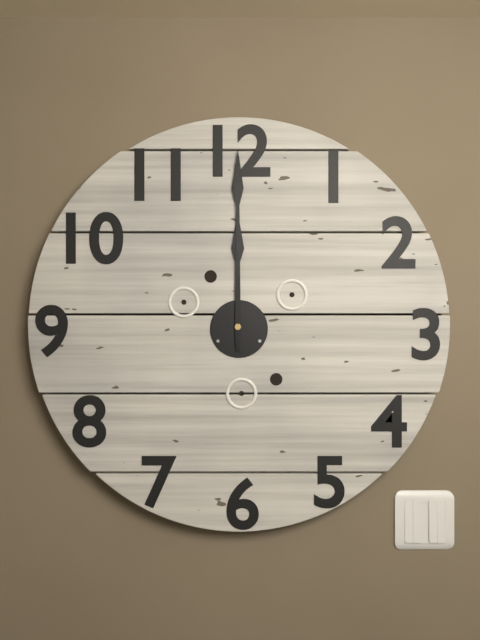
12h00
